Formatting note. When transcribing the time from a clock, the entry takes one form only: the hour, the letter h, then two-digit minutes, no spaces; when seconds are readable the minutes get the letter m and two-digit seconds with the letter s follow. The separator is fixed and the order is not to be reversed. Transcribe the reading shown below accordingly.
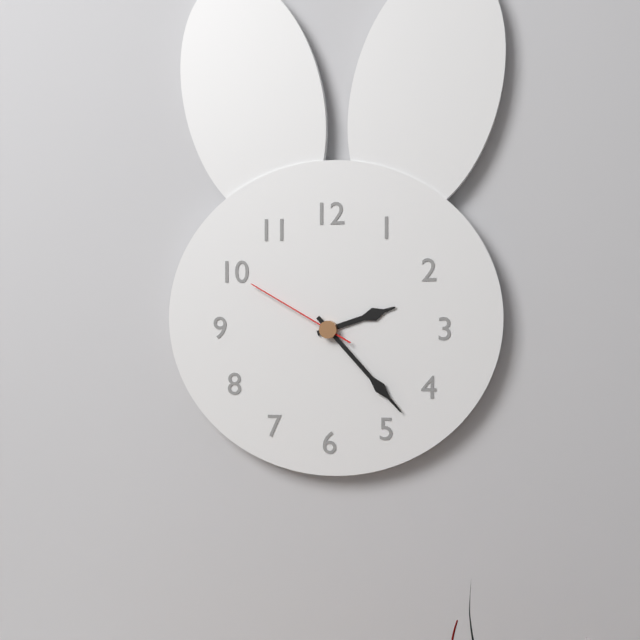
2h23m50s
